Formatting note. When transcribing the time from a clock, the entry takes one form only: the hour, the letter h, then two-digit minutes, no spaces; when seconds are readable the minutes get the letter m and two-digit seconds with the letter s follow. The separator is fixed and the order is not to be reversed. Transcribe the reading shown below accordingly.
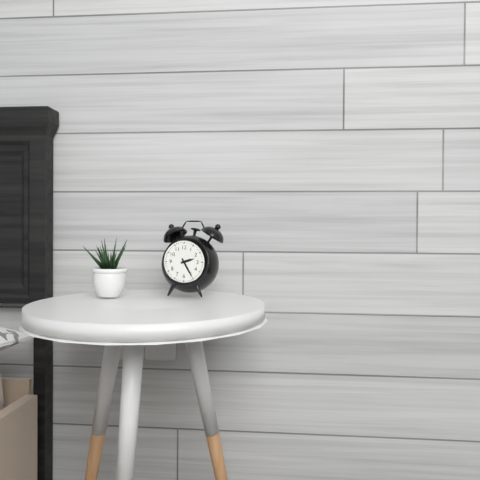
2h25
